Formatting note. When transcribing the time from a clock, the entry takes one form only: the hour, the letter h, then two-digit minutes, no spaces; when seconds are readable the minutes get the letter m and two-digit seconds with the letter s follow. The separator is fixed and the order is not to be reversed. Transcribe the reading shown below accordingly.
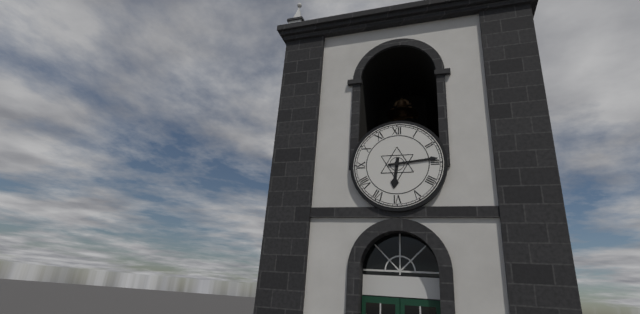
6h14
